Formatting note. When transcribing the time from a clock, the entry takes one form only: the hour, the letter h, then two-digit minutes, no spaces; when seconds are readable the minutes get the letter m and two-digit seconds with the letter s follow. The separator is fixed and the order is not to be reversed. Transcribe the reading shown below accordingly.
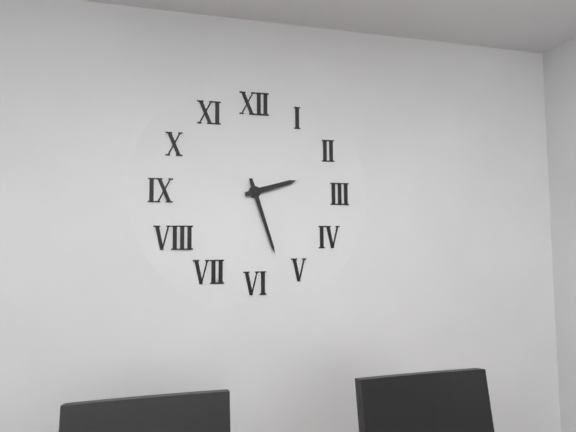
2h27
